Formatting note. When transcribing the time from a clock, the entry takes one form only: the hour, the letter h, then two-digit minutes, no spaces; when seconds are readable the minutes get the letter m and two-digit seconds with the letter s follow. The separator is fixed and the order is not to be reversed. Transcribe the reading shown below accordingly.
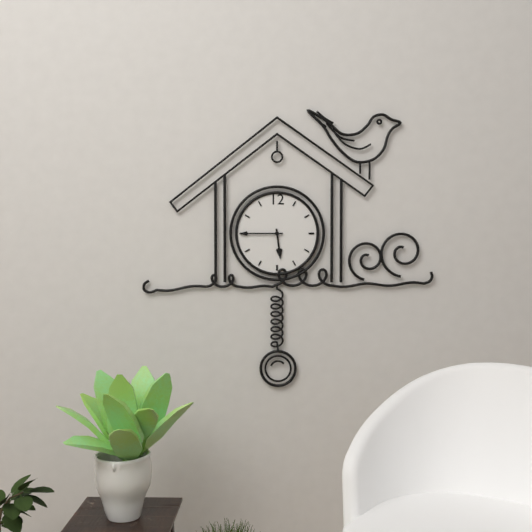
5h45
